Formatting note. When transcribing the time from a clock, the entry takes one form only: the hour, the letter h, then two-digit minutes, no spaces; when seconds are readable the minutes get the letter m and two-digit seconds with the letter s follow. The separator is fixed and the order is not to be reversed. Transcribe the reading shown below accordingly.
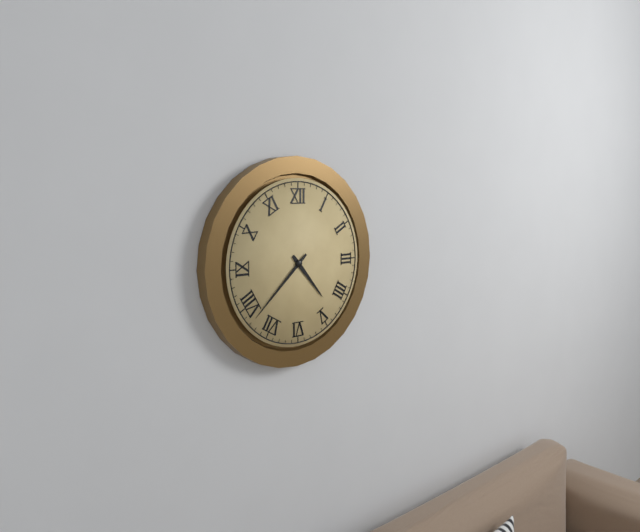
4h38
